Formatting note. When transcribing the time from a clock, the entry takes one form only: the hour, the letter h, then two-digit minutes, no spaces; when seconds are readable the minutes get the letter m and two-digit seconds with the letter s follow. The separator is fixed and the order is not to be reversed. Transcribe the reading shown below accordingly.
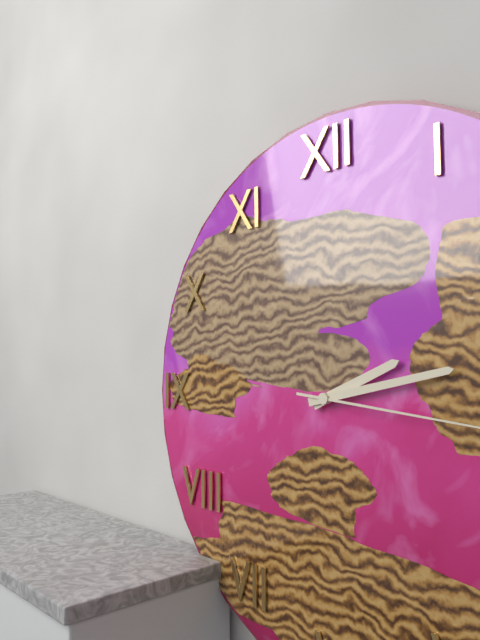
2h13
